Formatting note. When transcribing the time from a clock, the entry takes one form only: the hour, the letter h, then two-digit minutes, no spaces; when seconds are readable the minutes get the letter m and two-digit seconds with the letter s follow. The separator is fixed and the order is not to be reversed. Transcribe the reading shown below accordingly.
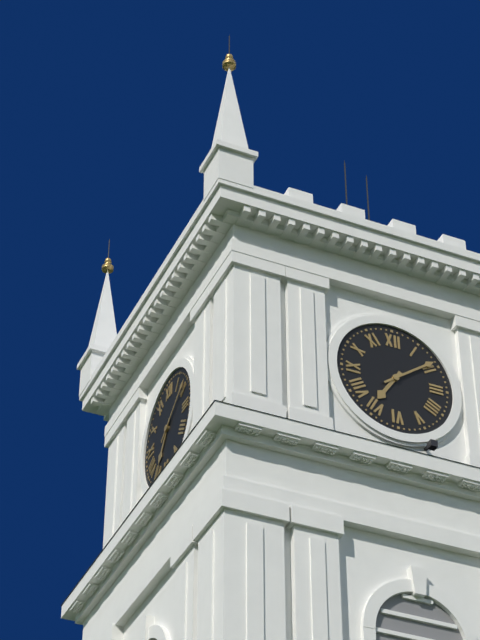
7h09
